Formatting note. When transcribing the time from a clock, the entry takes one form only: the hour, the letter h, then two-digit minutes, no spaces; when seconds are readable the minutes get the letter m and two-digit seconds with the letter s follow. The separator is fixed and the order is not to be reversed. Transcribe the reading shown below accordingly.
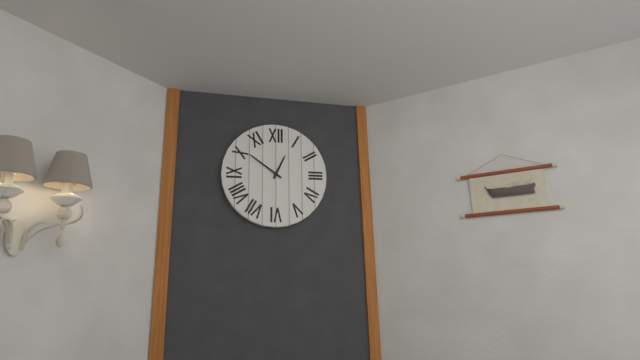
12h51
